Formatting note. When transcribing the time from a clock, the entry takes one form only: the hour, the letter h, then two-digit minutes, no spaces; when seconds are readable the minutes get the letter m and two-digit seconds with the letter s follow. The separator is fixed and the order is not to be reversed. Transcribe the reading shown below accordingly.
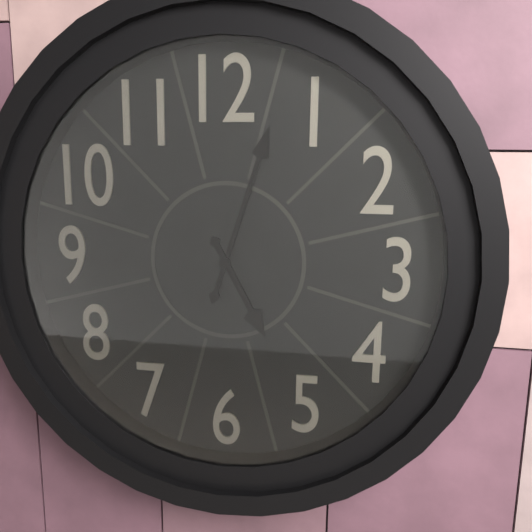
5h03
